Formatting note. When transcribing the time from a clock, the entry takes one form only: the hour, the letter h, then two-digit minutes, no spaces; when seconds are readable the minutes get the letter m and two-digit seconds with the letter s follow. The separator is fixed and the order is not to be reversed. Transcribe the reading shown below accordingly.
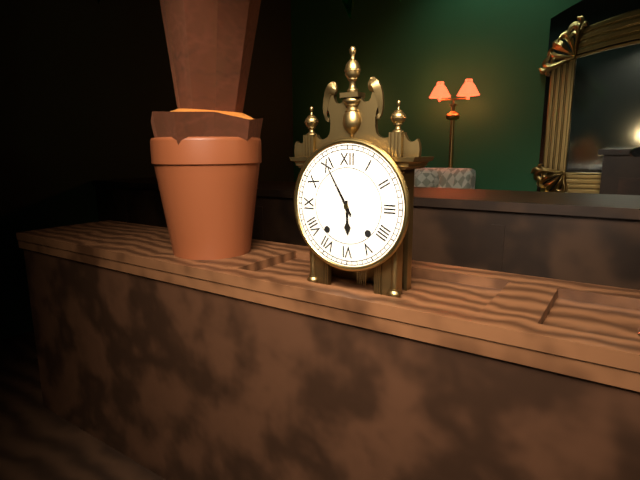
5h55
